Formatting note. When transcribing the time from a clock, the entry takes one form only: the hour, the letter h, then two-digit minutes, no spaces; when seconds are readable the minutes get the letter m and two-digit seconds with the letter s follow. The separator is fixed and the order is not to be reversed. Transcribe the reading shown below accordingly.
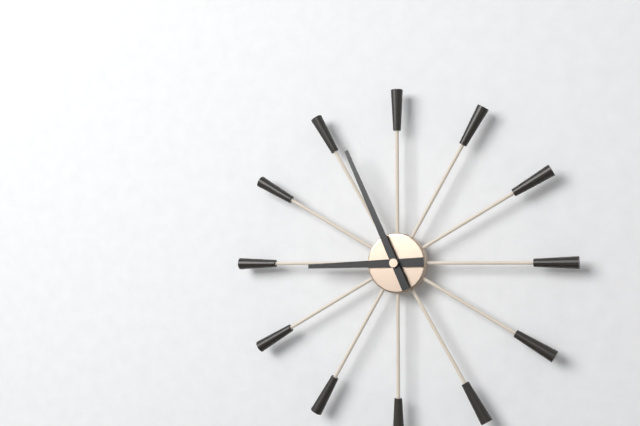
8h56
